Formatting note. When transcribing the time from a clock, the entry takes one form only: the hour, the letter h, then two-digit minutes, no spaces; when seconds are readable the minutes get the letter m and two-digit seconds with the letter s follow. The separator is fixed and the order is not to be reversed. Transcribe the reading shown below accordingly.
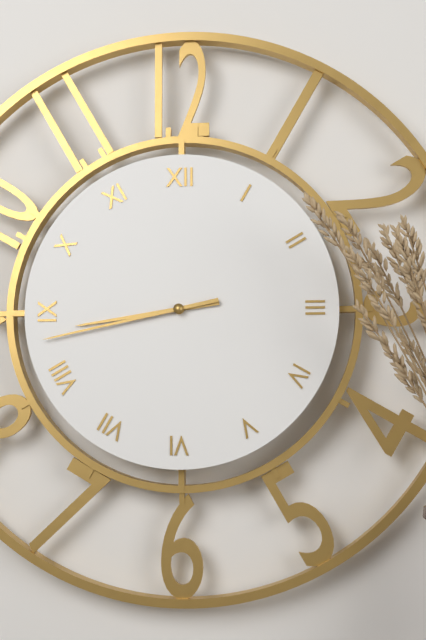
8h43
